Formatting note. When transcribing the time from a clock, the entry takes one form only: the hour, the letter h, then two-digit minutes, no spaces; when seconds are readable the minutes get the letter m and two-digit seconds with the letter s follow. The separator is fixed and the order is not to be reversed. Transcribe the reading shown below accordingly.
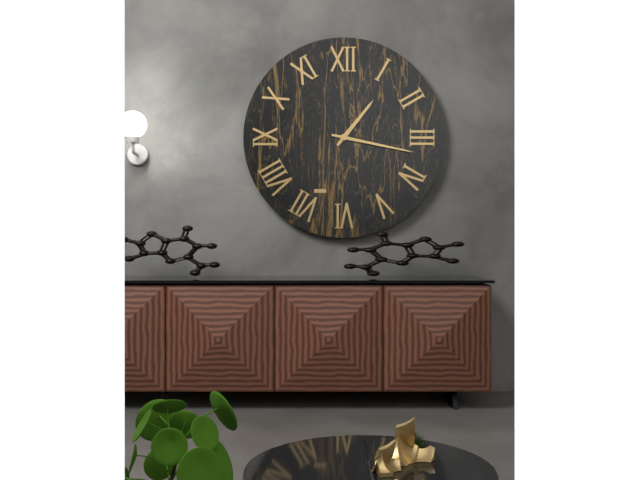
1h17
